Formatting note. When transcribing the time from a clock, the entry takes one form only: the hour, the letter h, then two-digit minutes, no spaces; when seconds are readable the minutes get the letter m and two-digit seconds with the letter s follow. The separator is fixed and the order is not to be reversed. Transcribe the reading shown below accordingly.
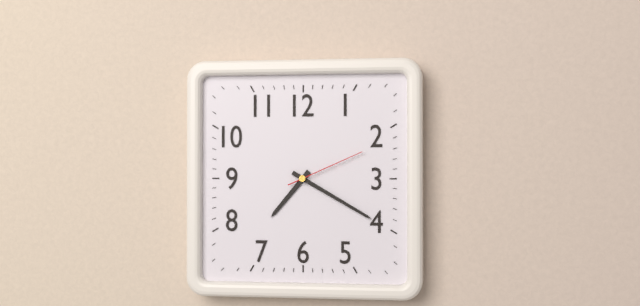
7h20m11s
